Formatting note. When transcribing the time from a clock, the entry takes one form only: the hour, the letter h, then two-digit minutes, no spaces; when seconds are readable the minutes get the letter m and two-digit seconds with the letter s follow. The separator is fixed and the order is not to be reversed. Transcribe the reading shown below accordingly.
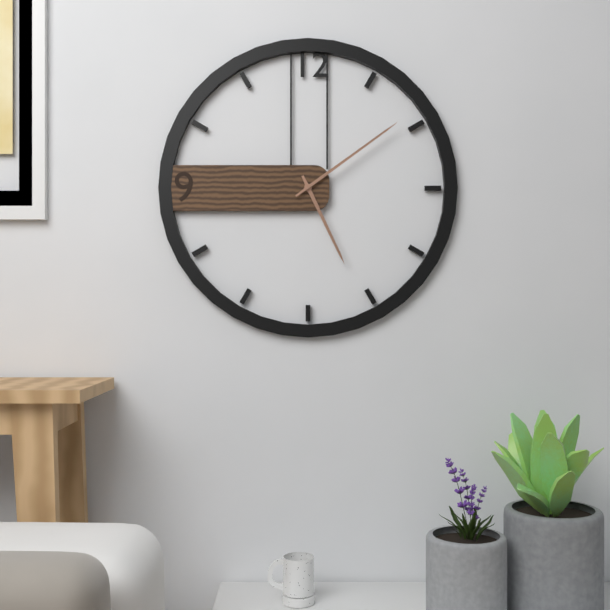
5h09
